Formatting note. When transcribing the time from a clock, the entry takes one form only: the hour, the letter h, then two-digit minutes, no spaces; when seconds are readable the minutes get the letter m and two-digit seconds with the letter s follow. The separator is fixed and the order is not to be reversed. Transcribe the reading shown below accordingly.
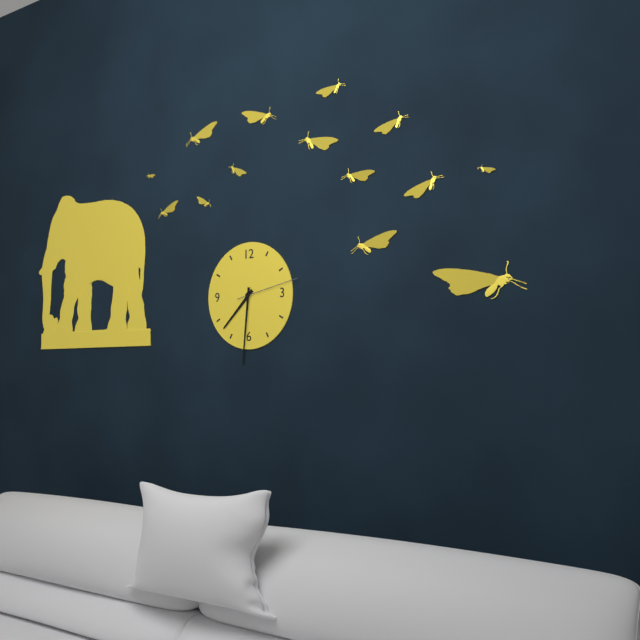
7h31m13s
